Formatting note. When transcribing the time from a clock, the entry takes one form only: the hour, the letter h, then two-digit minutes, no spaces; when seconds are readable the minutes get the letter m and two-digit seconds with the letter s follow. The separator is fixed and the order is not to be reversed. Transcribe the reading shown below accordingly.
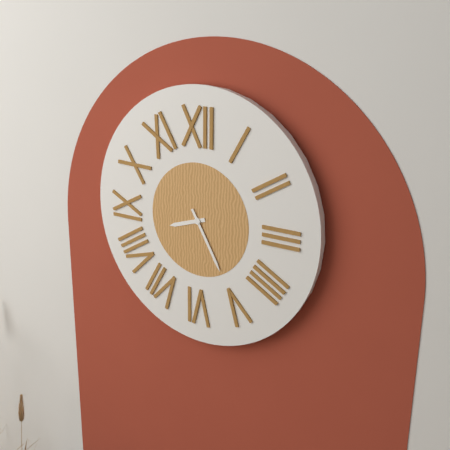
8h25
